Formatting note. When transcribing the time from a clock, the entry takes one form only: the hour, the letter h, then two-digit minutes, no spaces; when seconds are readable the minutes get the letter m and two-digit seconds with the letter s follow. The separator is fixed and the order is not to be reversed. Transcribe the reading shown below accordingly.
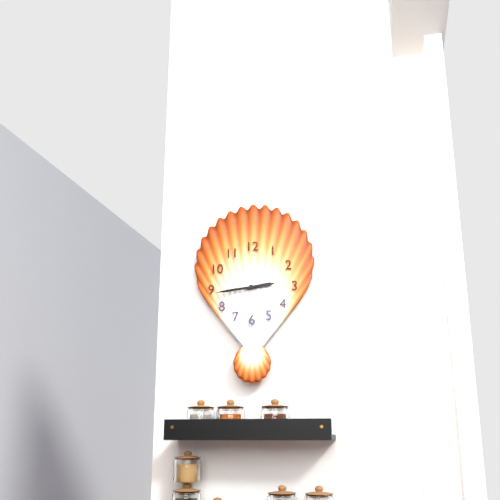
2h44
